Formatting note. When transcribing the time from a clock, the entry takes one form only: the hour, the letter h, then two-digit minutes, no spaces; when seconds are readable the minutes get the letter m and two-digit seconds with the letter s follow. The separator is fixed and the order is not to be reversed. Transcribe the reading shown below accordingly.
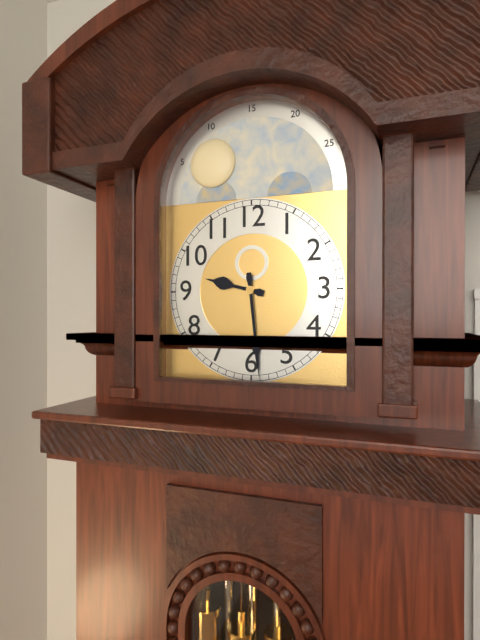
9h29
